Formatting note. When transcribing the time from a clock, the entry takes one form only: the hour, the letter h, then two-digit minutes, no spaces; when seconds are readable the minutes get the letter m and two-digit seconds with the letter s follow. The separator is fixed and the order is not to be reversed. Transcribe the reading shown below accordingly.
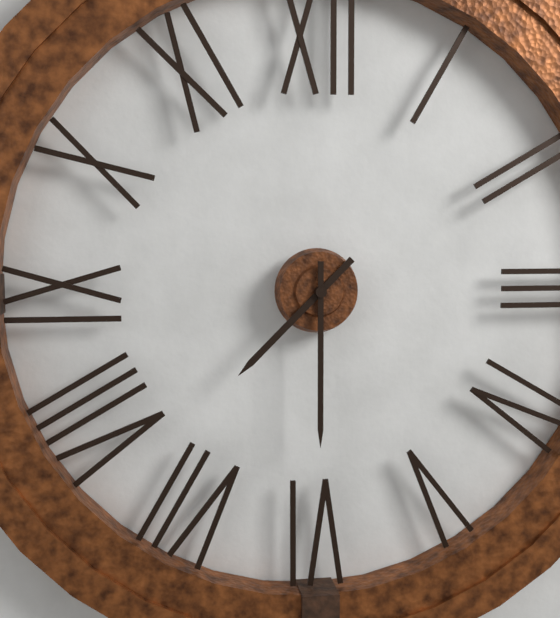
7h30
